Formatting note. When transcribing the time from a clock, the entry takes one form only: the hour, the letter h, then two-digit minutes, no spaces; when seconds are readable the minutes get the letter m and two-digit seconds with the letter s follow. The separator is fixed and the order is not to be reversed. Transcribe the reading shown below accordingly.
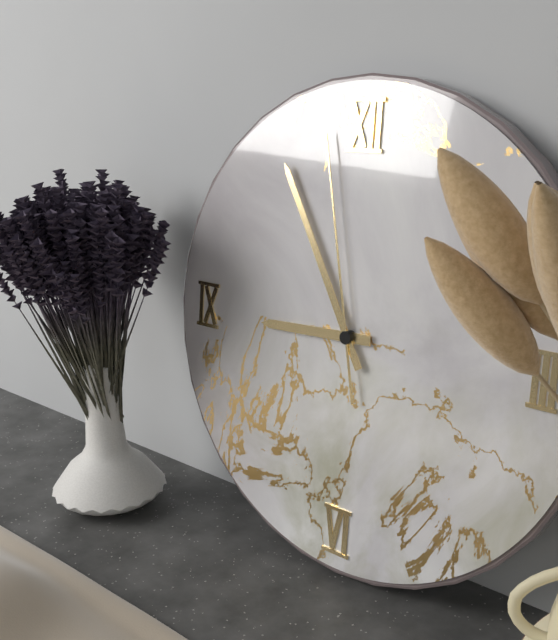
8h55m58s
